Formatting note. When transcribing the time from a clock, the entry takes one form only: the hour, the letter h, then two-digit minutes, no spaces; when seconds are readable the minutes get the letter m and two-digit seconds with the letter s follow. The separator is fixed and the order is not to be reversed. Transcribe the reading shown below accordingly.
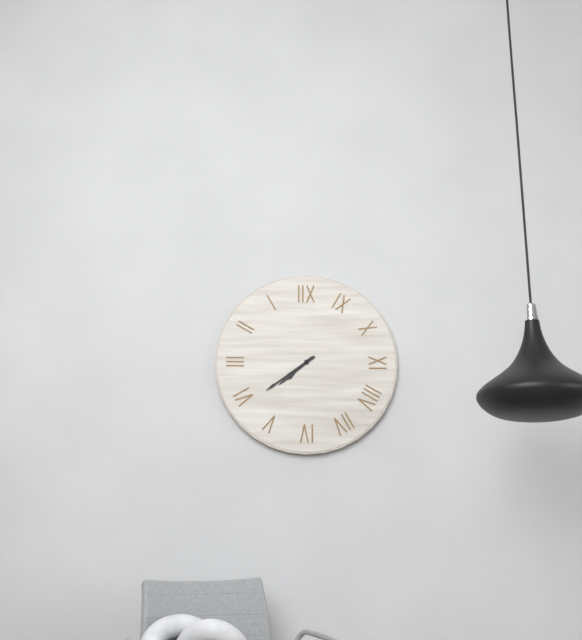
7h39
